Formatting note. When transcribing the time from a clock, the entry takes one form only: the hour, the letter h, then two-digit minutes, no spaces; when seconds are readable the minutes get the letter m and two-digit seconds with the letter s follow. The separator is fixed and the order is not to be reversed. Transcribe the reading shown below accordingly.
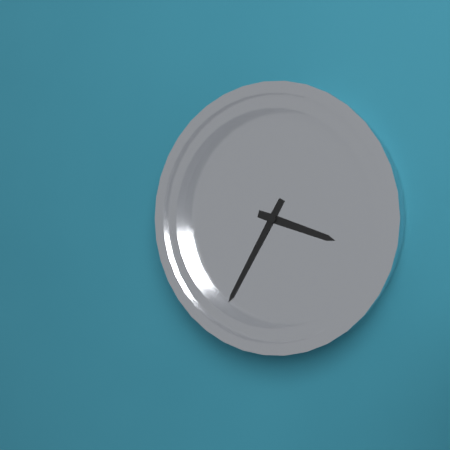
3h35
